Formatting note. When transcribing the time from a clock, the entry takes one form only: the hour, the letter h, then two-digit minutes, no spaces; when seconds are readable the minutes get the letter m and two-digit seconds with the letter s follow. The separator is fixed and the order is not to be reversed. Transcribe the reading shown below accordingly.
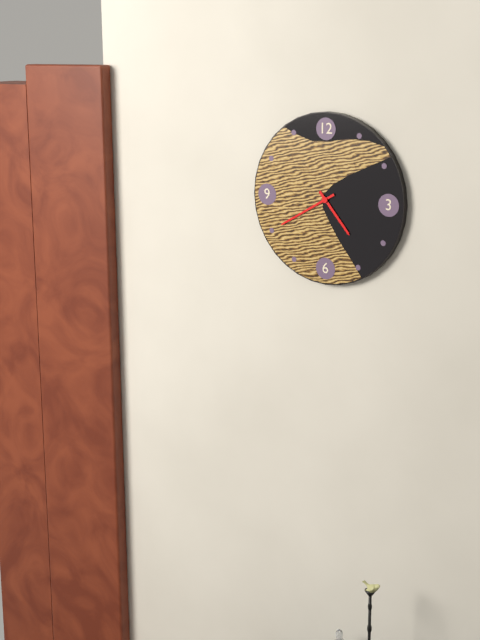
4h40
